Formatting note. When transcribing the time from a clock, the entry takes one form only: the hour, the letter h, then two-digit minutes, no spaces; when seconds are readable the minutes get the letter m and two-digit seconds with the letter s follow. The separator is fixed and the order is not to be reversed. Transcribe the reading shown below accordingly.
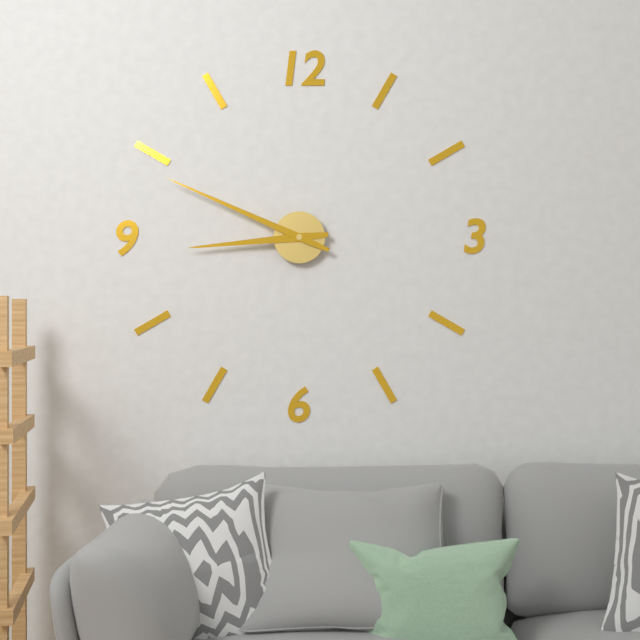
8h49
